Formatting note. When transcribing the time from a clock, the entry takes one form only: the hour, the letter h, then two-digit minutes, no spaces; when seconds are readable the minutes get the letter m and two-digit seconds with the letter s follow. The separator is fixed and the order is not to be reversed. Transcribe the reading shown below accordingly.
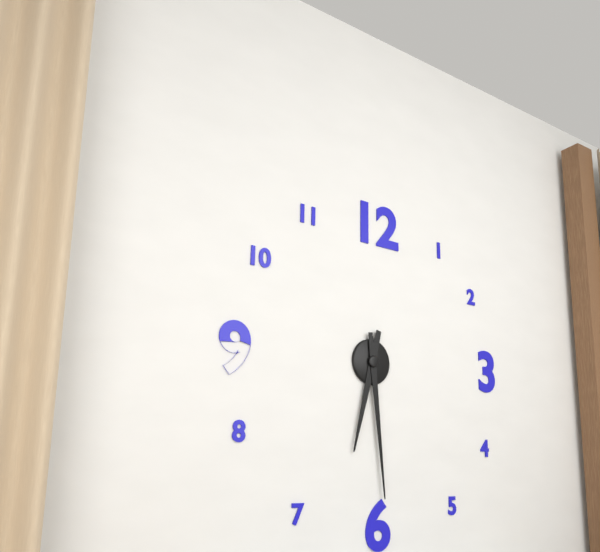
6h29
